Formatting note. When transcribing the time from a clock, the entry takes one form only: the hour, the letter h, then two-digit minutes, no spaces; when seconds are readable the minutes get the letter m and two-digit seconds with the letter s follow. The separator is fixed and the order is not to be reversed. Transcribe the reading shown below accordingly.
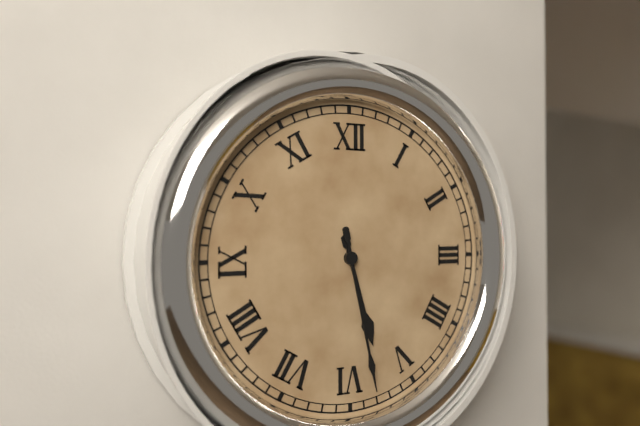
5h28
